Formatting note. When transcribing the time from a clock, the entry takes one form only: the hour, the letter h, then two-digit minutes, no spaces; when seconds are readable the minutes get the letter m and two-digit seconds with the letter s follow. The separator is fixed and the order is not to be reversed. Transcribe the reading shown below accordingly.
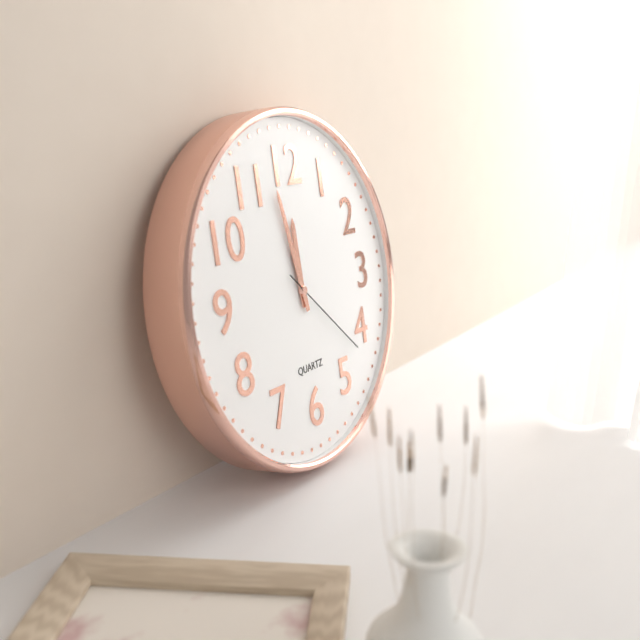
11h58m22s
